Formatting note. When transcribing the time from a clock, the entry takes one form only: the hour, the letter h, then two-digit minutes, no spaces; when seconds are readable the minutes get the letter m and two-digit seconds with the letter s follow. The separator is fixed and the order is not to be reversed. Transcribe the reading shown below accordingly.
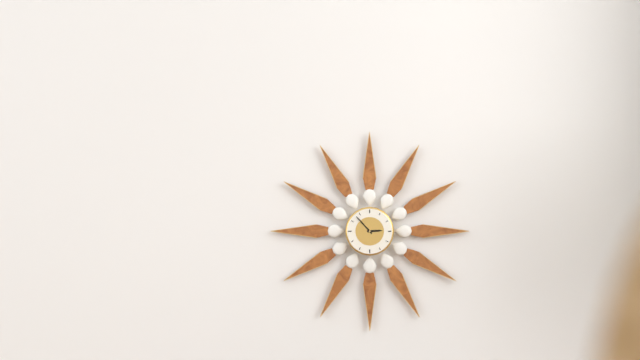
2h53
